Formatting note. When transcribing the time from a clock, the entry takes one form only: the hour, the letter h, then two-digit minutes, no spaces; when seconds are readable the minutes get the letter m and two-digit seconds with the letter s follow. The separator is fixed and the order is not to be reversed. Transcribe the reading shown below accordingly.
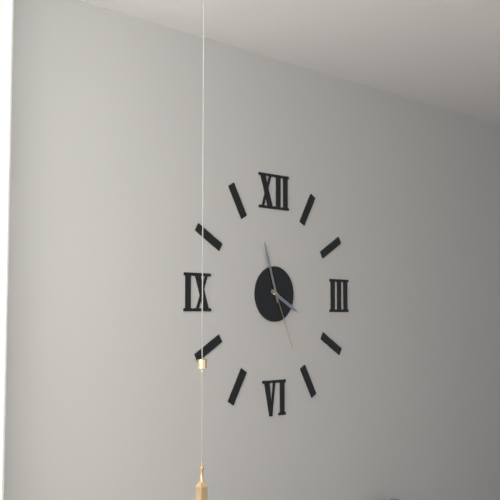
3h57m26s
